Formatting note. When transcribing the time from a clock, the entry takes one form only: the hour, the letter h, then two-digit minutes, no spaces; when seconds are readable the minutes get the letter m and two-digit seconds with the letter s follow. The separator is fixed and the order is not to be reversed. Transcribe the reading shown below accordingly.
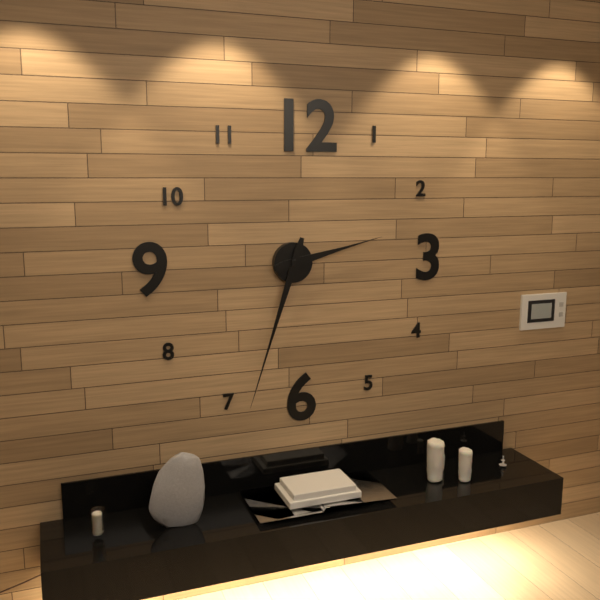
2h33
